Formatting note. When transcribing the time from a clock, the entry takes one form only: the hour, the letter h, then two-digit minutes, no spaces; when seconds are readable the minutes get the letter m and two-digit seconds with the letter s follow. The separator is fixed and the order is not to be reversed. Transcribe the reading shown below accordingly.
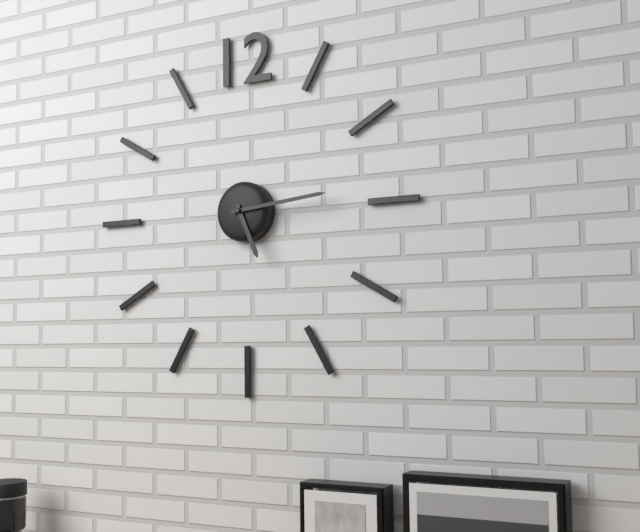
5h14
